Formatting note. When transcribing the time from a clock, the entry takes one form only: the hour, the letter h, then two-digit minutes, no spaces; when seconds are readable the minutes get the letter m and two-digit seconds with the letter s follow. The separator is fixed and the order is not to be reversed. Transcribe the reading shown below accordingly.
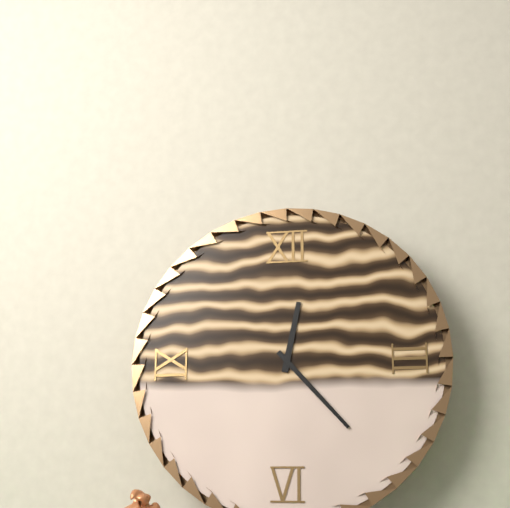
12h23
